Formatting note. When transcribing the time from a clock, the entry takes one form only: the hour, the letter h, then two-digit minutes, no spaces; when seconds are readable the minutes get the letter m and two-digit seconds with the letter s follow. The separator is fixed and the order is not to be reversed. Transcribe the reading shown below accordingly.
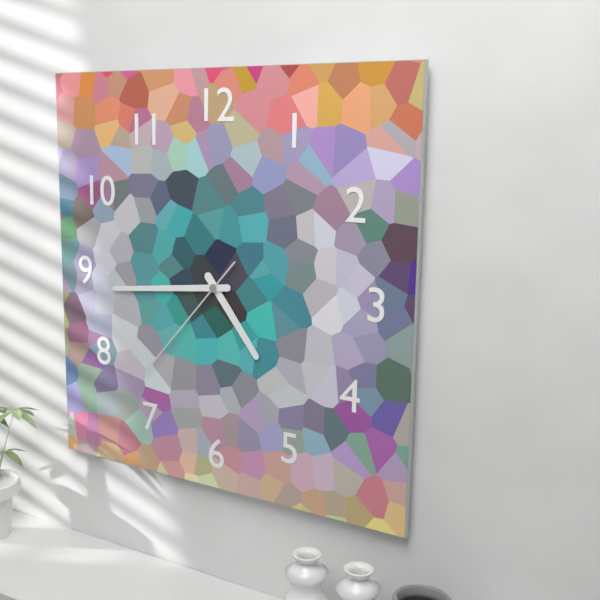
4h44m37s
